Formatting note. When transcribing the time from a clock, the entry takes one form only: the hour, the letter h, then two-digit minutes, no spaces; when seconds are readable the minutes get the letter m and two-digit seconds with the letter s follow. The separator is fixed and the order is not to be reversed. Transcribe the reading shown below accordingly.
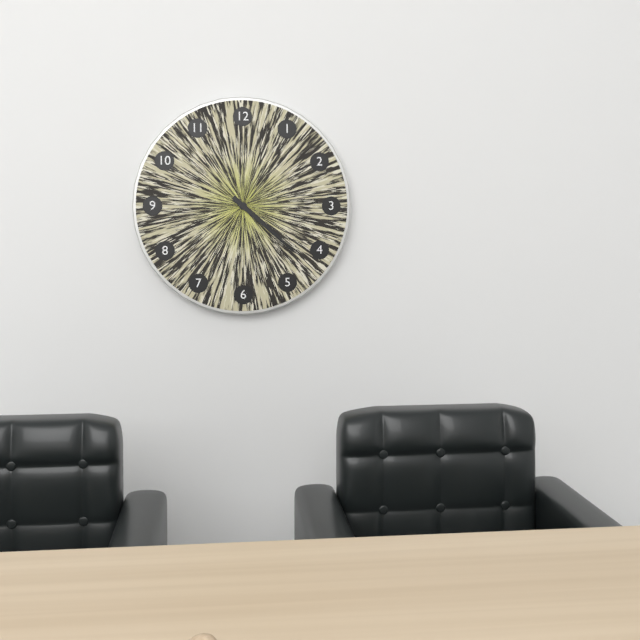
4h22
